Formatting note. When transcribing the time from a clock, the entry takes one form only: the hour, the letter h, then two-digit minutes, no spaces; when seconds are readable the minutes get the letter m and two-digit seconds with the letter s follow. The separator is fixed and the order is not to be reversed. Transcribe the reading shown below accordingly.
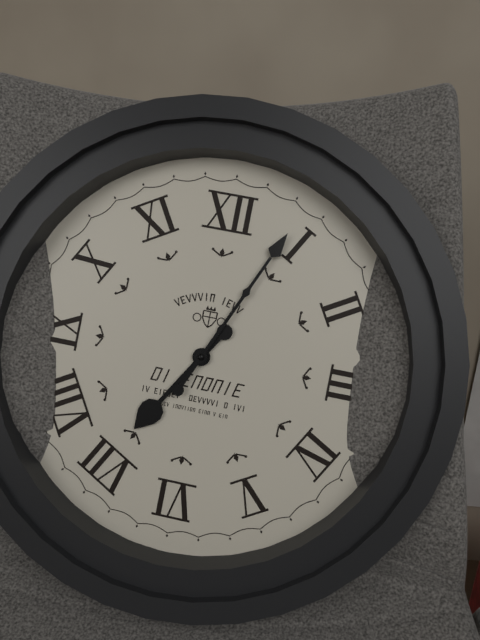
7h04
